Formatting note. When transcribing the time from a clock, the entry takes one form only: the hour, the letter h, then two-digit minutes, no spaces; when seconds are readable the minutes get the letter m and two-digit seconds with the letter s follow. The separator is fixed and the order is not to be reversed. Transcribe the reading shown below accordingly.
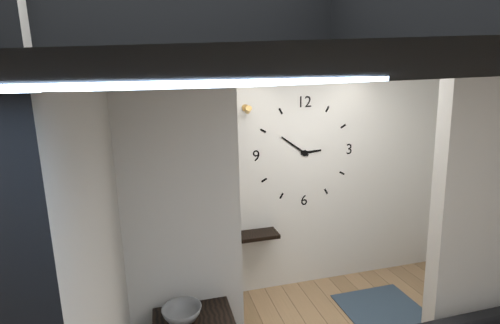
2h51
